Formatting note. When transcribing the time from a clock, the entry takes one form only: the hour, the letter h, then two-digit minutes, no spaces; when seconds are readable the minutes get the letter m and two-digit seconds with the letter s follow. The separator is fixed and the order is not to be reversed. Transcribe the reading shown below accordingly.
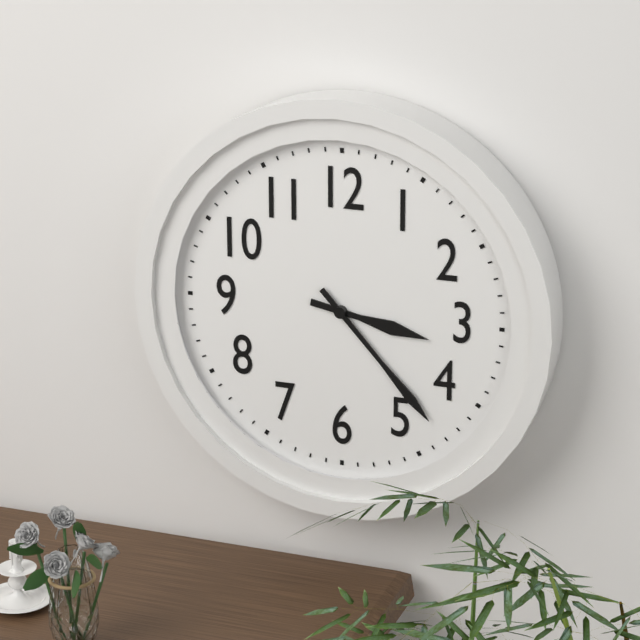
3h23
